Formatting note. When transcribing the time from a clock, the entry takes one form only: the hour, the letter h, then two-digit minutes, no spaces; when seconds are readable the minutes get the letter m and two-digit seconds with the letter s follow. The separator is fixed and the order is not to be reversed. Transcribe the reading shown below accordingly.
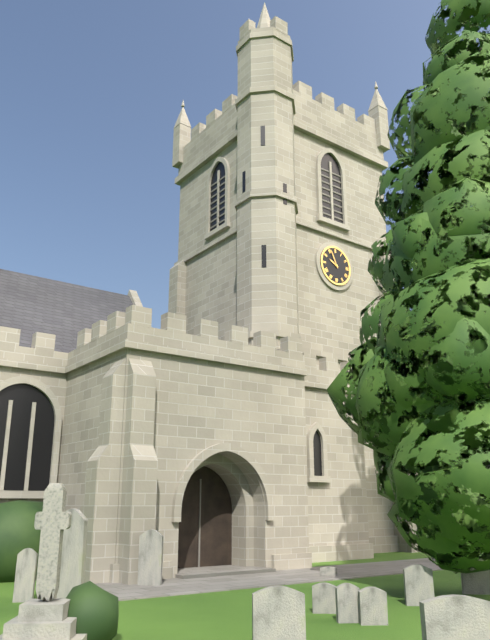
9h56
